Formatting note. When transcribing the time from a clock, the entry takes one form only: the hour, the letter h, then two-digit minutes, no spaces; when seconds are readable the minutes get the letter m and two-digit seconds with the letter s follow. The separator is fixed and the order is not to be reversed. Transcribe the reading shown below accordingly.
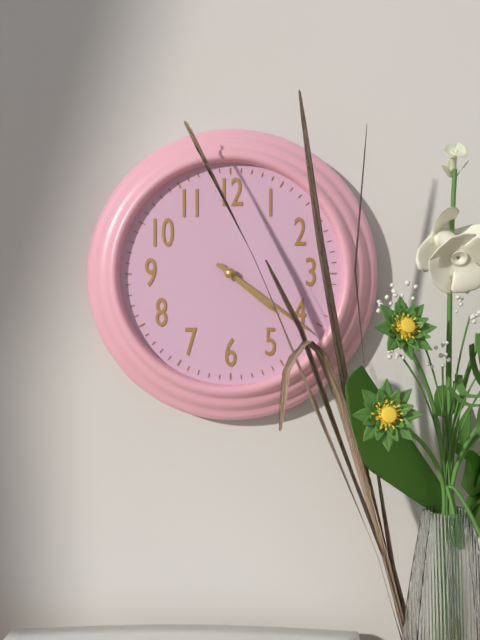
4h21
